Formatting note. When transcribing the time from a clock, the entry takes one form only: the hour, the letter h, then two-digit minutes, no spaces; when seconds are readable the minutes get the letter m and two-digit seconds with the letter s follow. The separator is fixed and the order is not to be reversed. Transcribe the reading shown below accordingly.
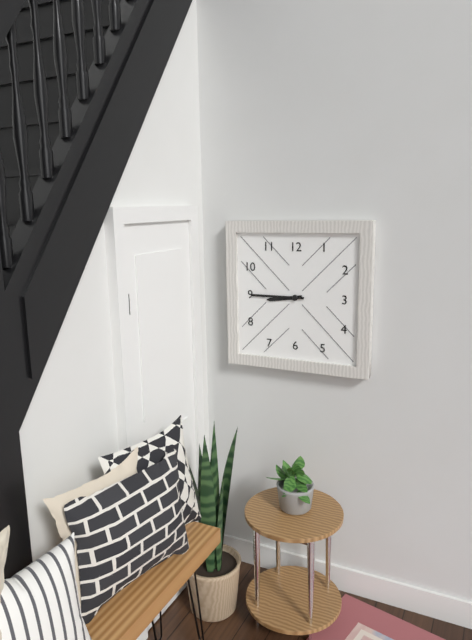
8h45
